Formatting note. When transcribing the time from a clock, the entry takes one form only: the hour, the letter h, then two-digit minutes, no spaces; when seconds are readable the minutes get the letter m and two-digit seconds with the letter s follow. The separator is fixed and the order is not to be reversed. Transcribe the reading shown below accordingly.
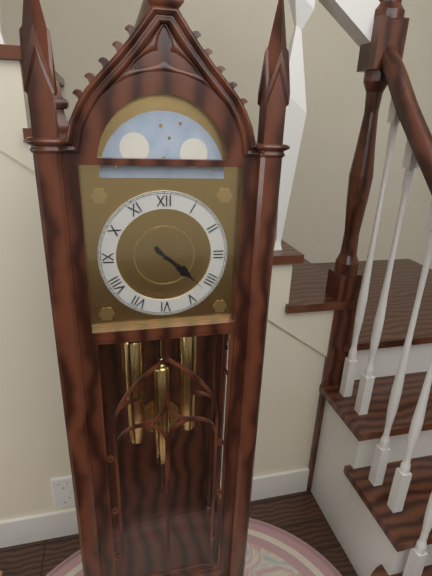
4h22
